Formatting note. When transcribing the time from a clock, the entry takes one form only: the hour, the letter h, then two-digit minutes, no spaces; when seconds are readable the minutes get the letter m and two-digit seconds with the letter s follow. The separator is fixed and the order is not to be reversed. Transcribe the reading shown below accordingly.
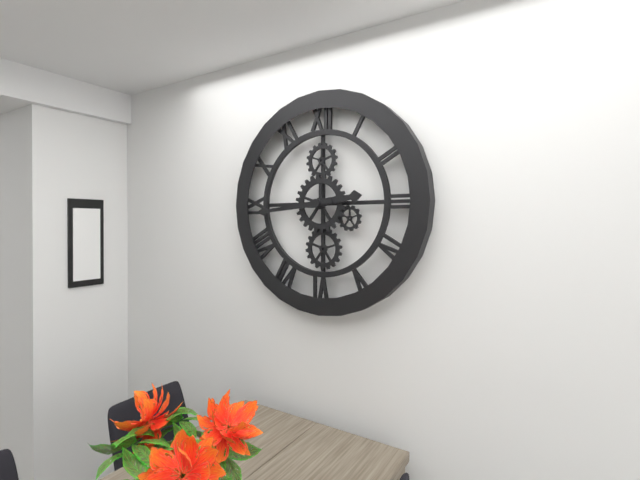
2h44
